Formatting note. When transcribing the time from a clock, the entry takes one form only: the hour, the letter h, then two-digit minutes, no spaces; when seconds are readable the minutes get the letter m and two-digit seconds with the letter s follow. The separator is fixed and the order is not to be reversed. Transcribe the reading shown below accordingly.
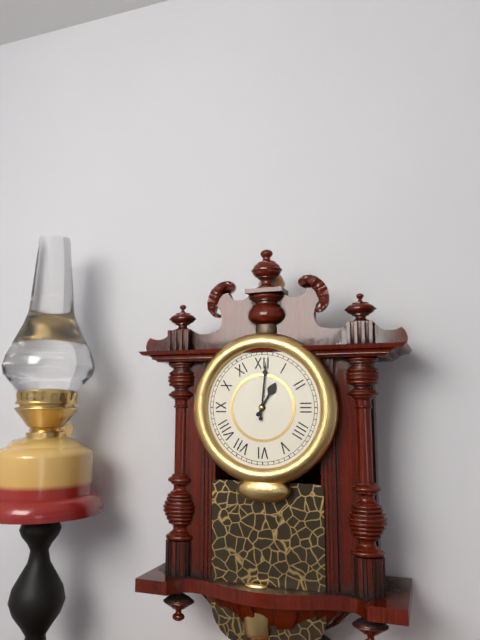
1h01
